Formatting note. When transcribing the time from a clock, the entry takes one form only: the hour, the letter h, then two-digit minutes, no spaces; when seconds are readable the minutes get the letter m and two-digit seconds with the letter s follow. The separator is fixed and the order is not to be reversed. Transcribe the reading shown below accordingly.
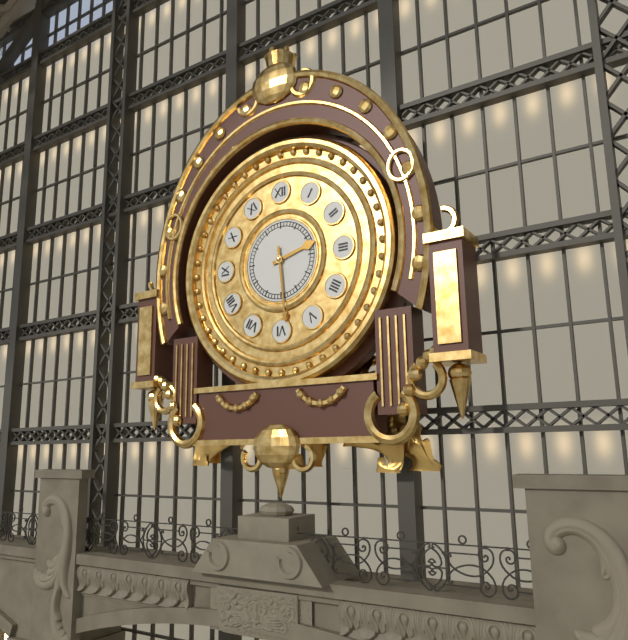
2h29
